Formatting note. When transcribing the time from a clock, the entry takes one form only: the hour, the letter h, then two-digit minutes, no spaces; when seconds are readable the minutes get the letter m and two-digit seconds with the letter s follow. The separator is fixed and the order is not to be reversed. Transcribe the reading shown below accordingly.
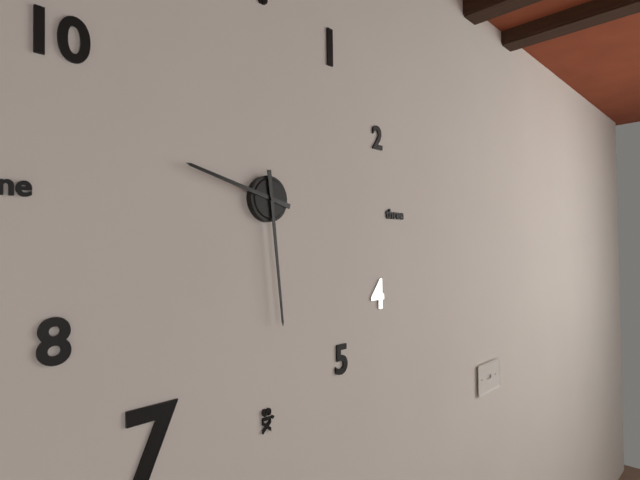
9h29
